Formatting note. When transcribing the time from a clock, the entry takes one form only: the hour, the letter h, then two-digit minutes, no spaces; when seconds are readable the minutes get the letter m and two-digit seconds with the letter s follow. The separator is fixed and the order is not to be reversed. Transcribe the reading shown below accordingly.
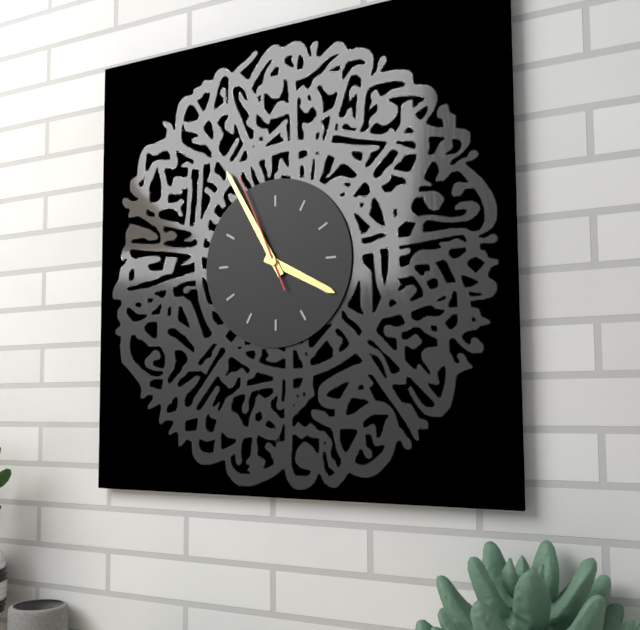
3h55m56s
